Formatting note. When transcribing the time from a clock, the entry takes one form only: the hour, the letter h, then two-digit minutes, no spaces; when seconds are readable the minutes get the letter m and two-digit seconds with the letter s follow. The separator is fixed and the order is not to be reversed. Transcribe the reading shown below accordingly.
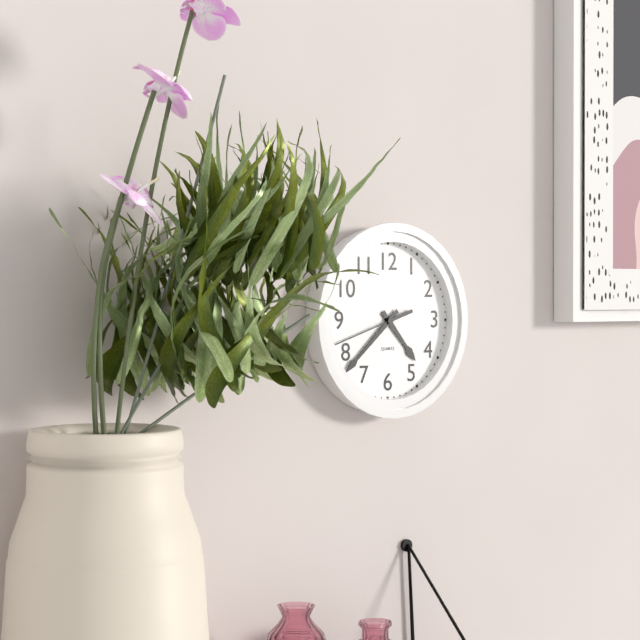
4h38m42s
